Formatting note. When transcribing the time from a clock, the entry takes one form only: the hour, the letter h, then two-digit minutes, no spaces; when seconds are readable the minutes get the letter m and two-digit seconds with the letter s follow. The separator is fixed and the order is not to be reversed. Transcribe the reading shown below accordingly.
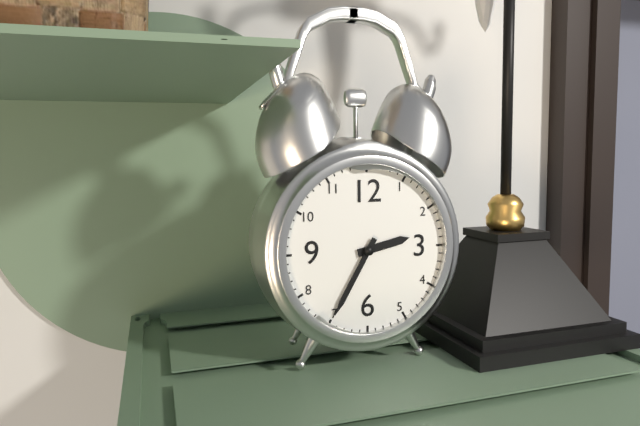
2h35
